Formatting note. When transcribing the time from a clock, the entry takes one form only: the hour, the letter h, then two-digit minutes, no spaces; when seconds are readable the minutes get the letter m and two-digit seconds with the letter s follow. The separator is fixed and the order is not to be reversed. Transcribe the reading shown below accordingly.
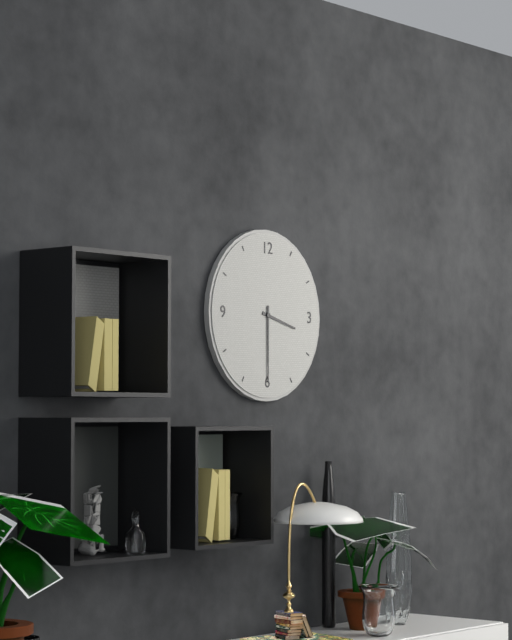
3h30
